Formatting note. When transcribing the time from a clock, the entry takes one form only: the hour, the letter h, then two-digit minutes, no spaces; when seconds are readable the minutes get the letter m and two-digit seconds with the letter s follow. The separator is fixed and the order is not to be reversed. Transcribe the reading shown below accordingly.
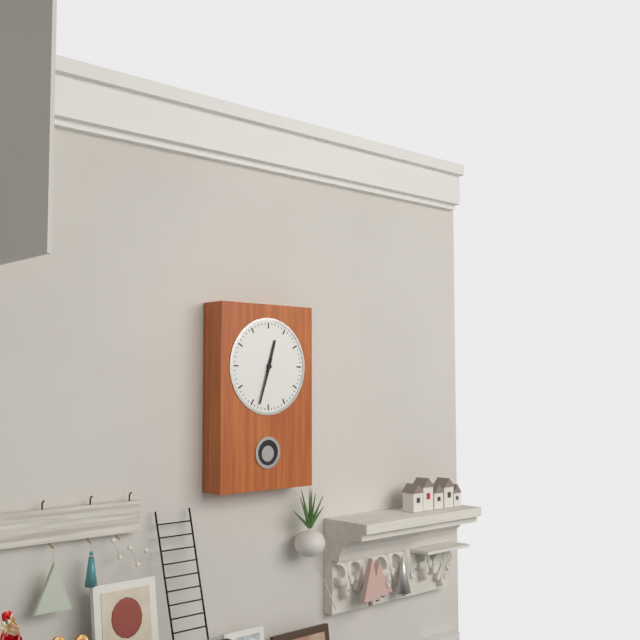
12h33
